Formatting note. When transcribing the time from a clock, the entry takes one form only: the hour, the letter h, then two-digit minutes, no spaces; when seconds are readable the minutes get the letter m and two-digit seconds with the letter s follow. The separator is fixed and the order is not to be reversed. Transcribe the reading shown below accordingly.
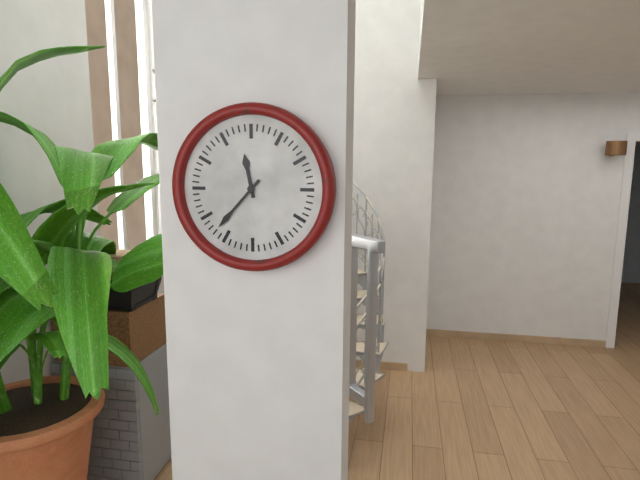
11h37
